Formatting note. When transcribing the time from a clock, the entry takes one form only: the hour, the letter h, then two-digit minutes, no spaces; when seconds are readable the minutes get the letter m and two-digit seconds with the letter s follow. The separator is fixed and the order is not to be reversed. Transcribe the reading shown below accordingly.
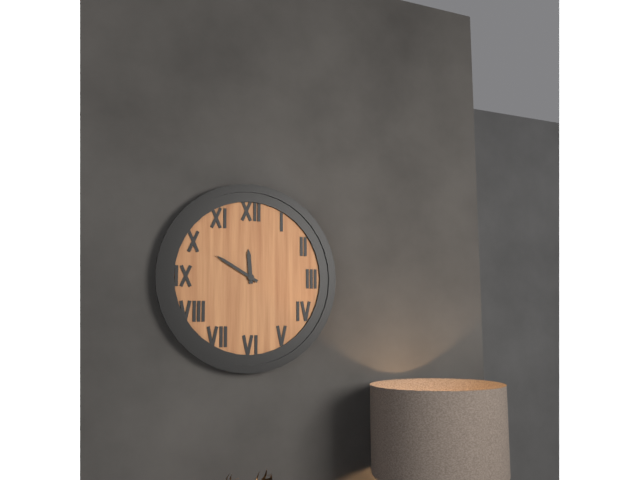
11h50
